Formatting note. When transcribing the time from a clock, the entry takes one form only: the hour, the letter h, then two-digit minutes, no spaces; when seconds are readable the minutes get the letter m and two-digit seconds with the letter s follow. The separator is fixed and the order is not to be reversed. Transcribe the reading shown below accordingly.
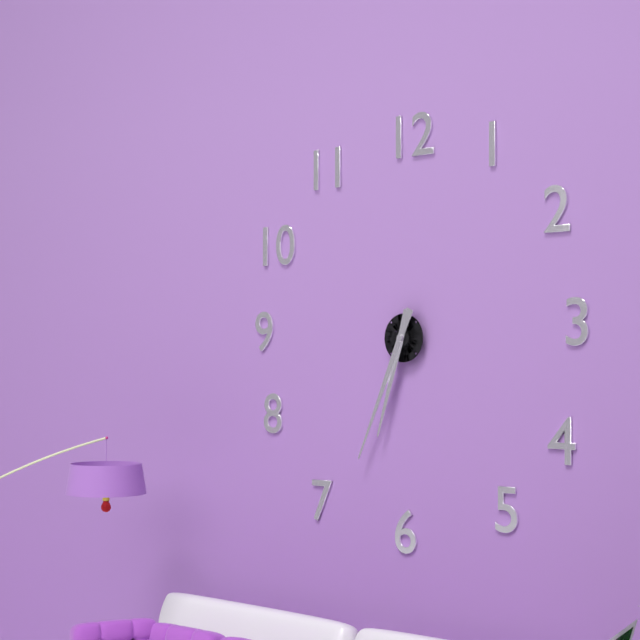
6h34
